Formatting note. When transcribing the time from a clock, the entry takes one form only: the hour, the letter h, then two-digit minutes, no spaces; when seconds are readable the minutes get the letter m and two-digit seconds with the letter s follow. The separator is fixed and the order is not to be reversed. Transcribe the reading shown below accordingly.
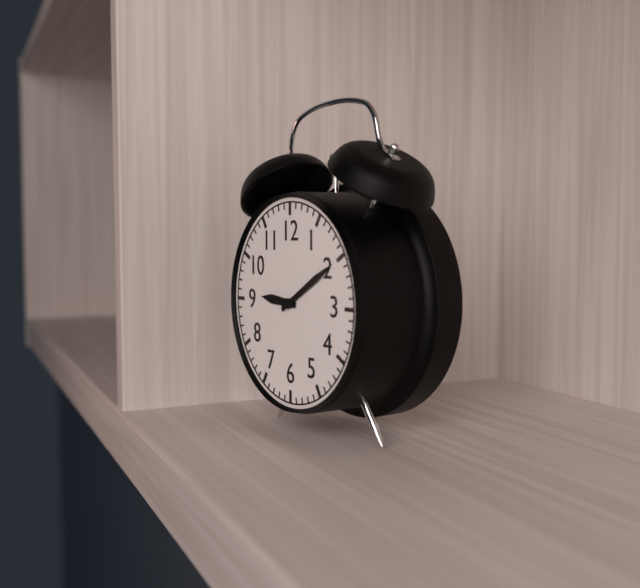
9h10
